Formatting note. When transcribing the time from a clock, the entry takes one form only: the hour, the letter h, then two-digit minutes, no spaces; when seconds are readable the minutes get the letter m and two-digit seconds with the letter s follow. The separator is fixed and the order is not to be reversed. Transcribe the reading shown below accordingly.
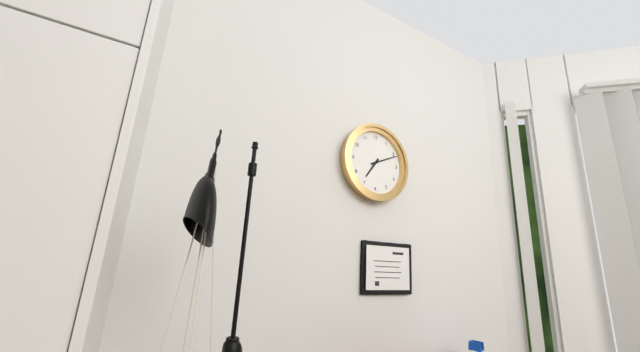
7h11
